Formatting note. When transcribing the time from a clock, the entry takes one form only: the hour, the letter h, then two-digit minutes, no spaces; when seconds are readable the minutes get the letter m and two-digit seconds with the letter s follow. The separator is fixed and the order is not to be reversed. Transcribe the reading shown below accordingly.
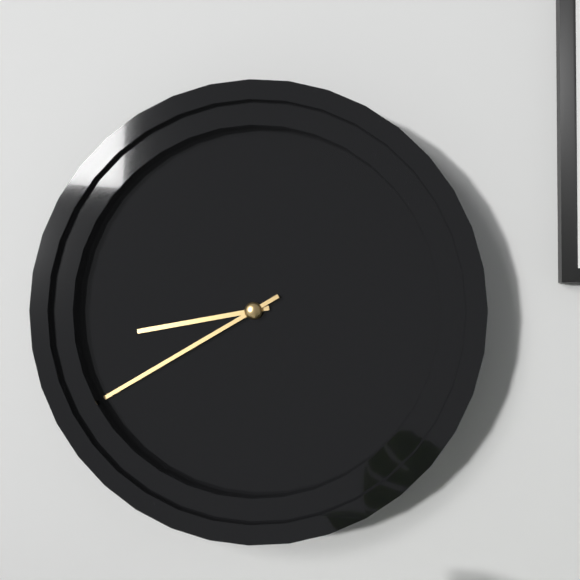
8h40
